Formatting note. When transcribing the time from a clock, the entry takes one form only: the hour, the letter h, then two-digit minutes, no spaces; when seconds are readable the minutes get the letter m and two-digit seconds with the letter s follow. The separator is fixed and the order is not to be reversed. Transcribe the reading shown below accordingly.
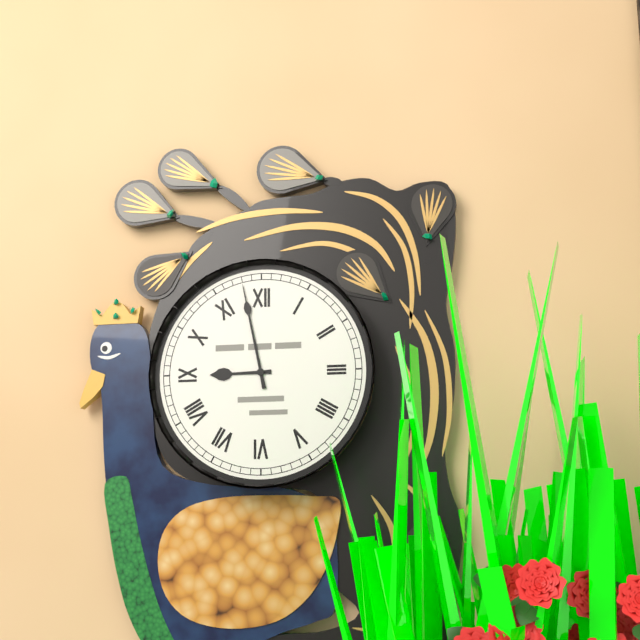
8h58
